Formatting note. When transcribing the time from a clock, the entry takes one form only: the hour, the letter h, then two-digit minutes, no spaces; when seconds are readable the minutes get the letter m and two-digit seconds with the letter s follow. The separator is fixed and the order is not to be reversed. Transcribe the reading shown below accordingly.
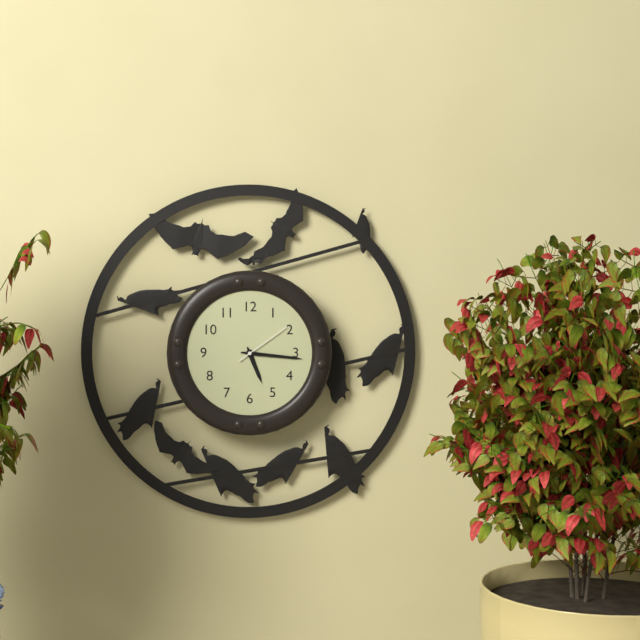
5h16m09s
